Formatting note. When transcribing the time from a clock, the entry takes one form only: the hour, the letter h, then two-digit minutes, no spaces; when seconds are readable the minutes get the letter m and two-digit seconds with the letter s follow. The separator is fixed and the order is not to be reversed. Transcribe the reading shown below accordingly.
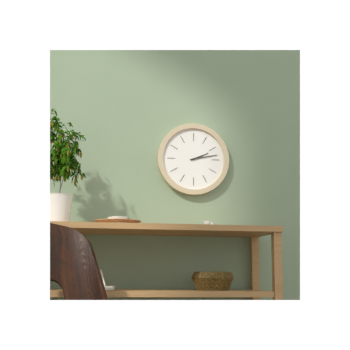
2h13
